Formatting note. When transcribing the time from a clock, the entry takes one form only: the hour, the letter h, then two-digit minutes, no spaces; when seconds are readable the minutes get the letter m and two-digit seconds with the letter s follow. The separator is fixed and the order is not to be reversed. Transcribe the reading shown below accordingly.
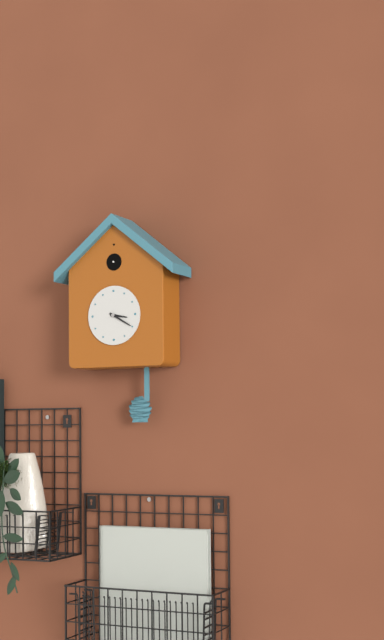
3h20
